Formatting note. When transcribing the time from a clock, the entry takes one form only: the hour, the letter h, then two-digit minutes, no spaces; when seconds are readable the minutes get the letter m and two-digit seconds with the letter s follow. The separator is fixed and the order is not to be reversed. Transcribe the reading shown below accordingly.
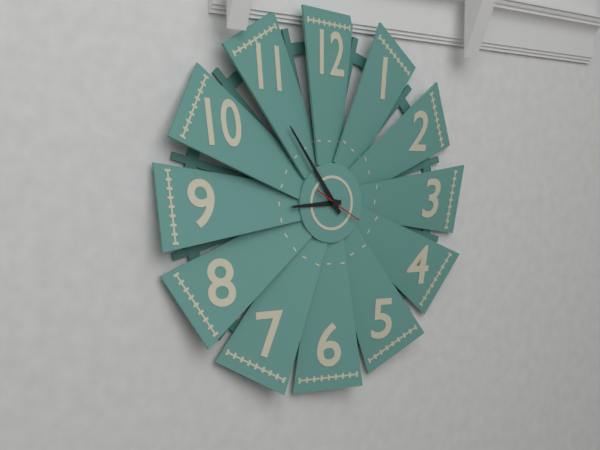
8h54
